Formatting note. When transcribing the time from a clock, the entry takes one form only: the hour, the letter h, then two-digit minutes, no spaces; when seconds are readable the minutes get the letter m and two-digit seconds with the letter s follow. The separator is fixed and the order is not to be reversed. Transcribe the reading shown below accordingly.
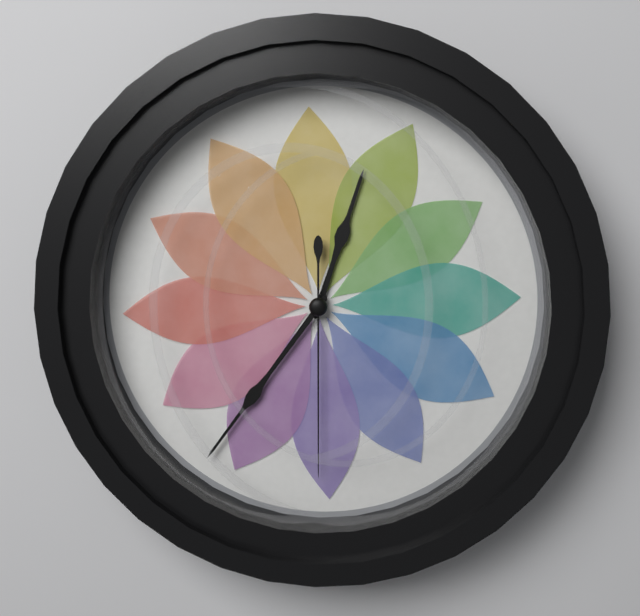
12h36m30s
